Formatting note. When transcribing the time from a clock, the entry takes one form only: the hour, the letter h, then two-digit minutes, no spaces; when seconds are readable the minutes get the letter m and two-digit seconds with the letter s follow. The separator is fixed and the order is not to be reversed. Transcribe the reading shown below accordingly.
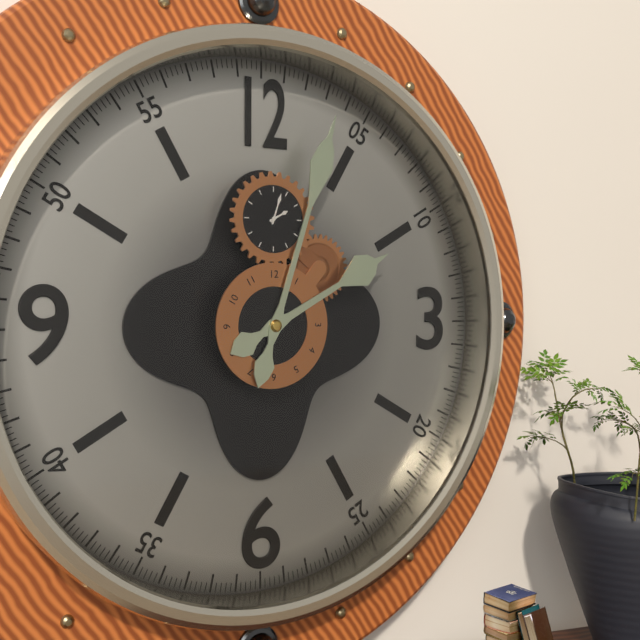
2h03
